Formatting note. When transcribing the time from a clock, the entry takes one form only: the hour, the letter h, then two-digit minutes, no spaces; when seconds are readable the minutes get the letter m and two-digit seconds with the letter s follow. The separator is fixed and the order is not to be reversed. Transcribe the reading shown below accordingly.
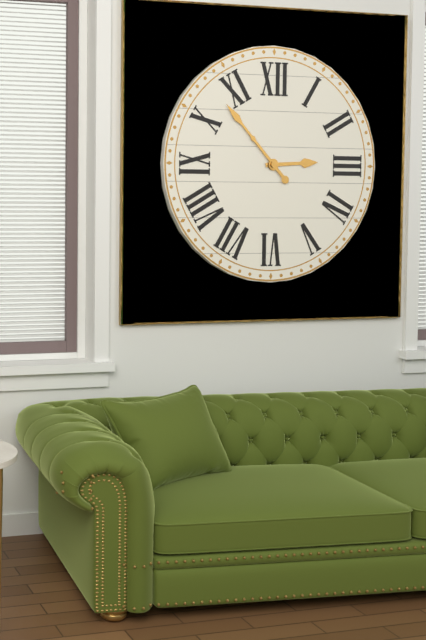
2h53
